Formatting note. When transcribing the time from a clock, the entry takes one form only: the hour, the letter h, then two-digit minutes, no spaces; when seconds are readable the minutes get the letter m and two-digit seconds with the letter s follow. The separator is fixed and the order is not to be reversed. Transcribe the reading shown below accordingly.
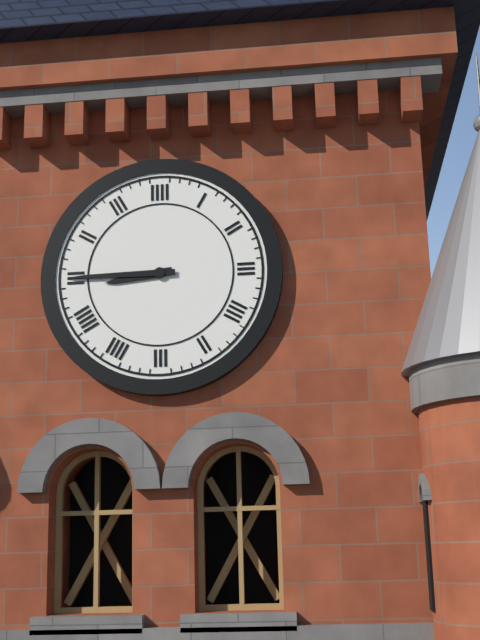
8h45
